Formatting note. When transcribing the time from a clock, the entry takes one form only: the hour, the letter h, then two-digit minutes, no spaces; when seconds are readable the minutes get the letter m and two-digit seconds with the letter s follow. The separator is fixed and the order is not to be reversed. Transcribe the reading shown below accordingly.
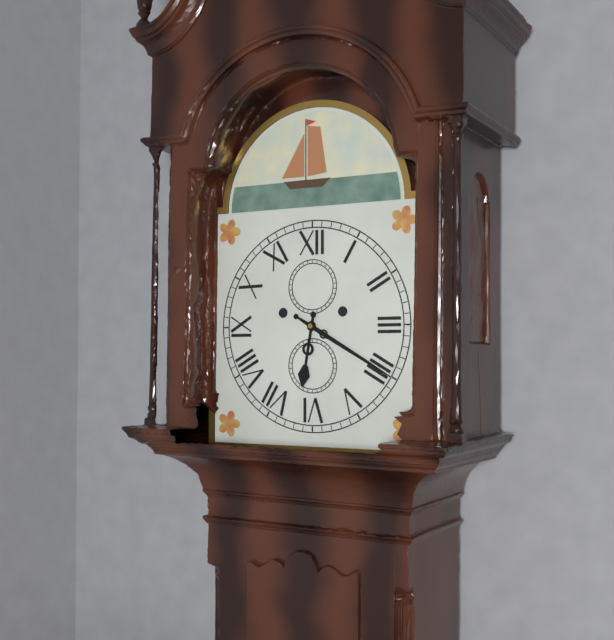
6h20
